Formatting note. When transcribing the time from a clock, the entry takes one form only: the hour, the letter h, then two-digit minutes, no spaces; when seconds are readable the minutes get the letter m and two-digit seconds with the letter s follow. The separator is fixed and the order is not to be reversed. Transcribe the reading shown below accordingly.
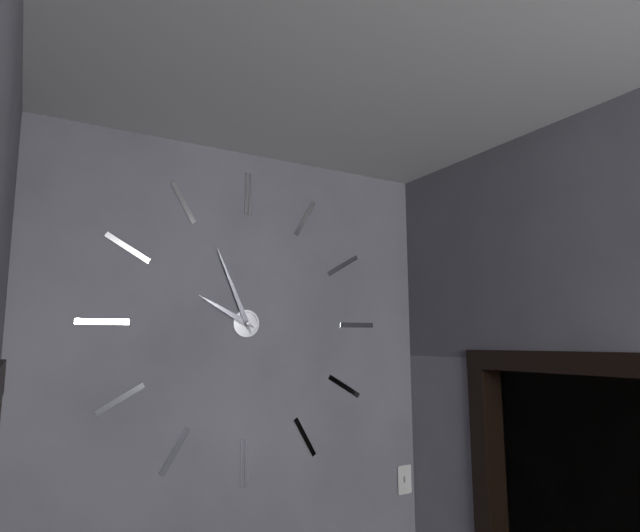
9h56
